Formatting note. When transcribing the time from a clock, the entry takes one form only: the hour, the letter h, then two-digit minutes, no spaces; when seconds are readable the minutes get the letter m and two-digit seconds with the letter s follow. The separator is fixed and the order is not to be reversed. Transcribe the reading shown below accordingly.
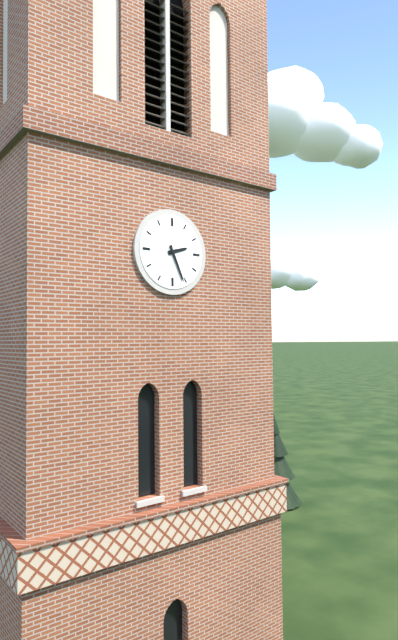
2h26
